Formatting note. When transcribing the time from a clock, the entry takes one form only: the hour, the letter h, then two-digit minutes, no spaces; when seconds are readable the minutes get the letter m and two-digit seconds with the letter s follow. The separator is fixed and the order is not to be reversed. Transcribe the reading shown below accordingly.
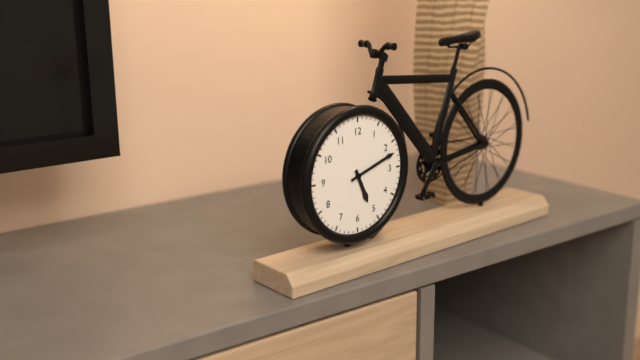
5h12
